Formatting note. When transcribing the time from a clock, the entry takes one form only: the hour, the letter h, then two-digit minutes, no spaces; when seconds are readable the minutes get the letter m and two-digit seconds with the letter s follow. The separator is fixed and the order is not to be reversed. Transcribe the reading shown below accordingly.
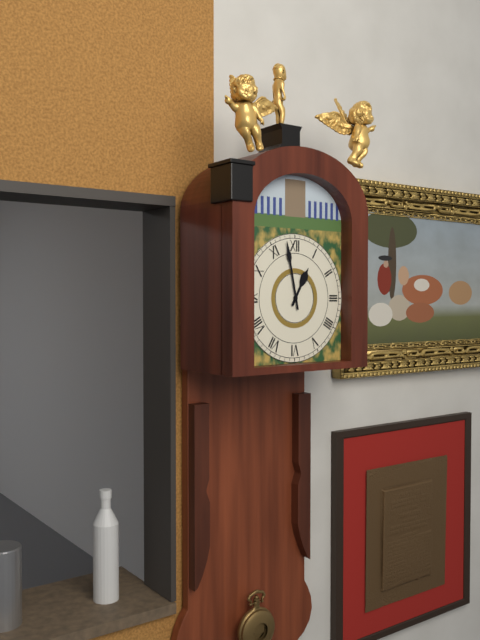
12h58
